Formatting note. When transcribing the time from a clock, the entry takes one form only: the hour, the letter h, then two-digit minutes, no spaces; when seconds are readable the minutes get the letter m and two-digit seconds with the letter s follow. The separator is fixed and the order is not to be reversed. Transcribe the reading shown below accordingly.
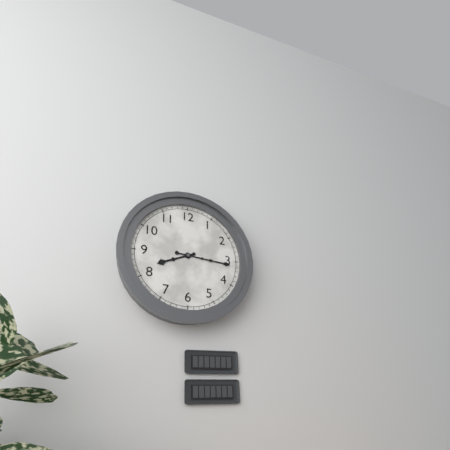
8h16
